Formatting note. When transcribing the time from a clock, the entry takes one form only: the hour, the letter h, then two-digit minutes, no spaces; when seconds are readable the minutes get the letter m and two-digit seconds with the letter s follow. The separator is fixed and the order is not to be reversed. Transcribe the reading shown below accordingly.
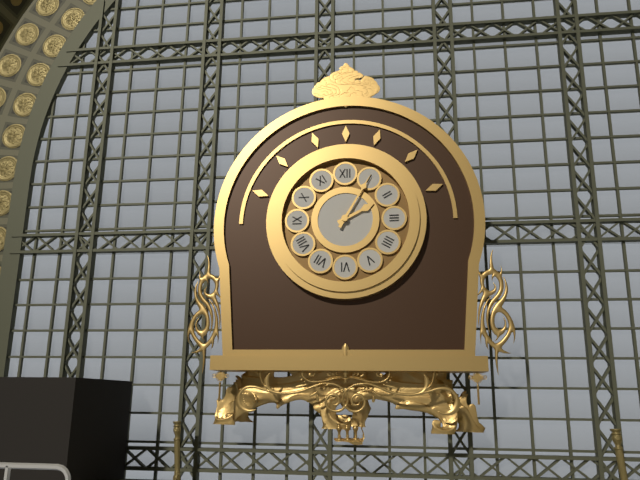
2h05
